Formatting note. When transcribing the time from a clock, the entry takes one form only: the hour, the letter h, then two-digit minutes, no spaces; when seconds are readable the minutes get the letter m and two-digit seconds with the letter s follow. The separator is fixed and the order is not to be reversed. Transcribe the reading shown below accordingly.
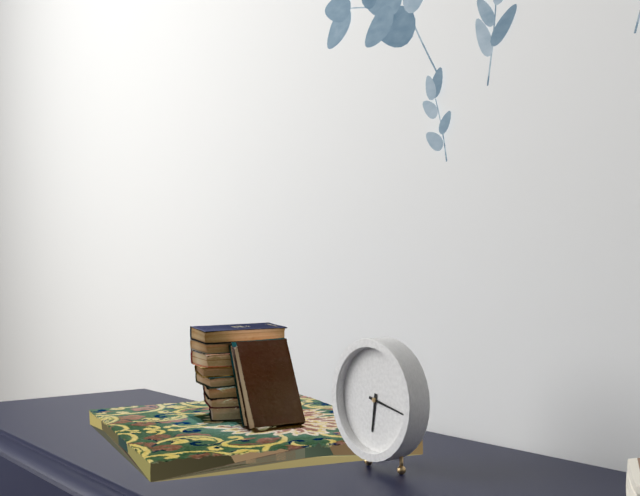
6h17
